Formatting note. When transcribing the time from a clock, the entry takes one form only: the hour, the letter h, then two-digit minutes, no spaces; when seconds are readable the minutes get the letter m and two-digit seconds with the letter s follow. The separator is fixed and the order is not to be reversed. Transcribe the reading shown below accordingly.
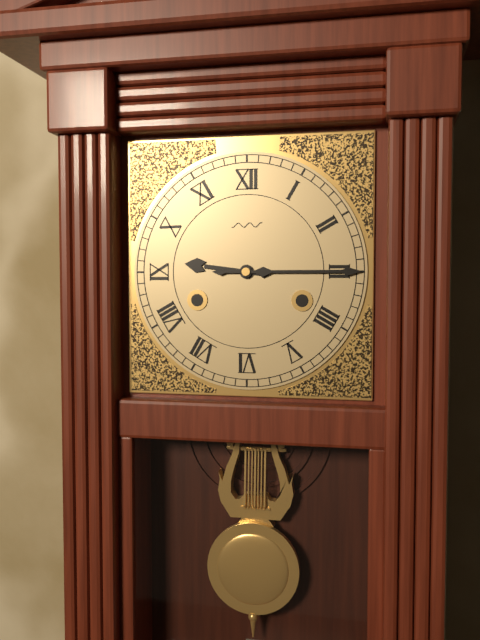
9h15
